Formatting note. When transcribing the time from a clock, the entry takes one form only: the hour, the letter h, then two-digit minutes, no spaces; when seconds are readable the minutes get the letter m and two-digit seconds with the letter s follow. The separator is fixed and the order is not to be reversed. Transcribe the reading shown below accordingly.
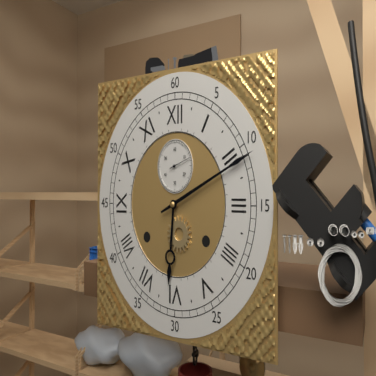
6h11
